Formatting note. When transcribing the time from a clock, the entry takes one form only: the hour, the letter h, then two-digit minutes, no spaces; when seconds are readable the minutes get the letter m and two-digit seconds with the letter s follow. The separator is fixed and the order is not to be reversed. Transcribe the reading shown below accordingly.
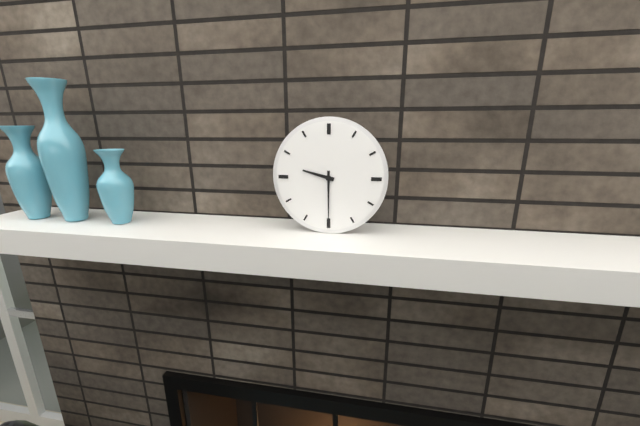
9h30
